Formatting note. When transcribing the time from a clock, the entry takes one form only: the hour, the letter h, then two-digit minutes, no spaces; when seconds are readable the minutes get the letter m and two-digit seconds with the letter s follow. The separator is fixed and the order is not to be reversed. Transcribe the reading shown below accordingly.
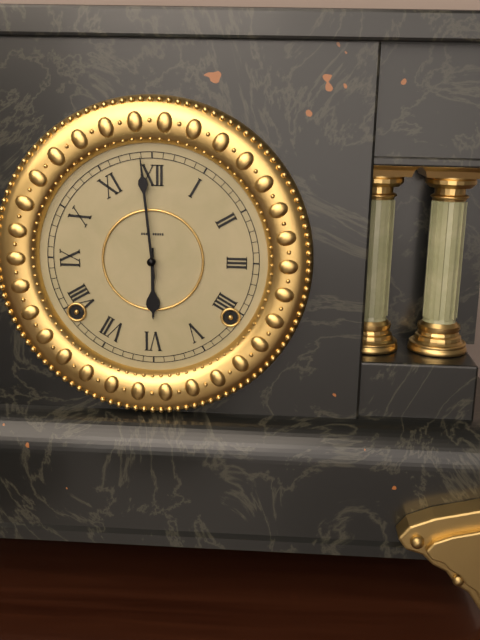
5h59
